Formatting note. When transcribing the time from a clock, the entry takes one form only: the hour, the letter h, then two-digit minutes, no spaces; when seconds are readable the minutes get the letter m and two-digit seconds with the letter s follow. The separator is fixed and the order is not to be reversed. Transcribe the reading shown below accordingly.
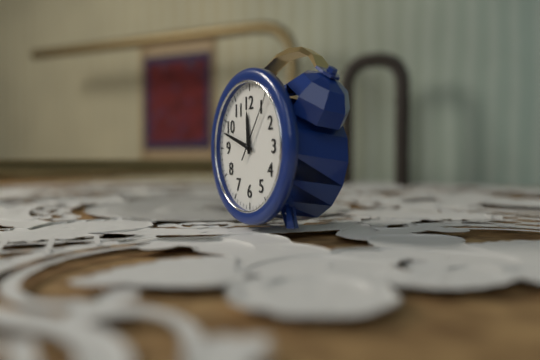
11h48m06s
